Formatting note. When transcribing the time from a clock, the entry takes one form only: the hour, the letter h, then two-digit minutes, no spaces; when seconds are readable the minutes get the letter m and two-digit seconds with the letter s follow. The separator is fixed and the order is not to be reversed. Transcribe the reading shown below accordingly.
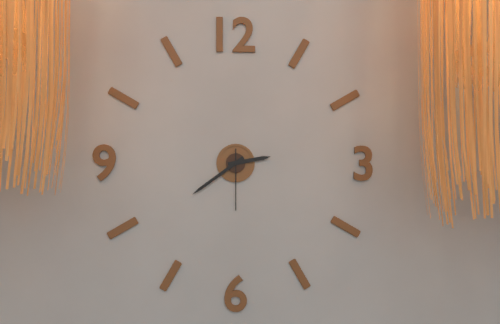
2h39m30s
